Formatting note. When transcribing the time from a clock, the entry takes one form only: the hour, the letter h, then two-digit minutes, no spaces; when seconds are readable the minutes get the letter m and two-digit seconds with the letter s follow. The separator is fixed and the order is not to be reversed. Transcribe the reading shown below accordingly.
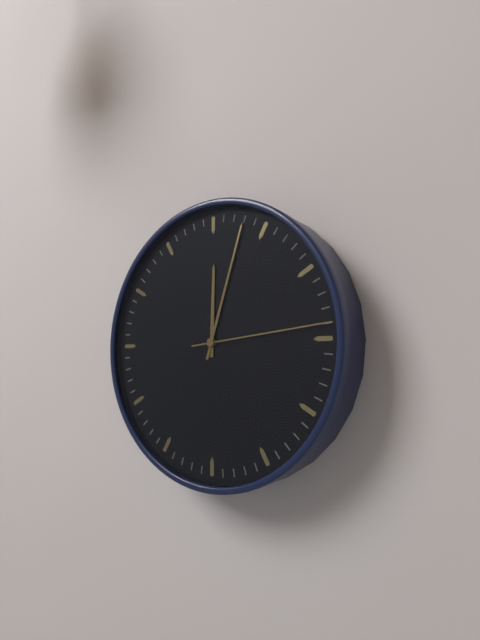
12h03m14s
